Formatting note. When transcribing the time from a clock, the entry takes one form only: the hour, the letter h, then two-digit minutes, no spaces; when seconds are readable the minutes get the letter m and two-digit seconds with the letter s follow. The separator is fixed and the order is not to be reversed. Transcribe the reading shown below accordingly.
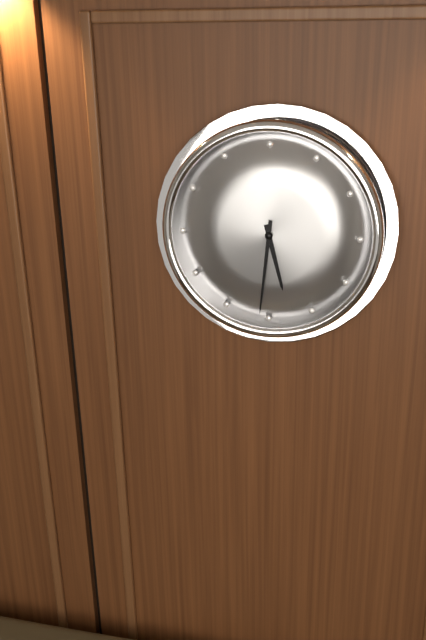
5h31
